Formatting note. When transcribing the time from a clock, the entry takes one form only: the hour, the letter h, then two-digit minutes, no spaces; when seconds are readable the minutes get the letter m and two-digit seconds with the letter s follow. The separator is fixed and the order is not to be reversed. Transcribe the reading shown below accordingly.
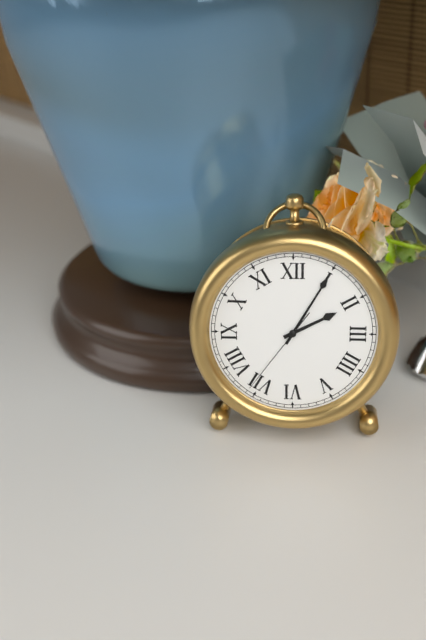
2h05m36s
